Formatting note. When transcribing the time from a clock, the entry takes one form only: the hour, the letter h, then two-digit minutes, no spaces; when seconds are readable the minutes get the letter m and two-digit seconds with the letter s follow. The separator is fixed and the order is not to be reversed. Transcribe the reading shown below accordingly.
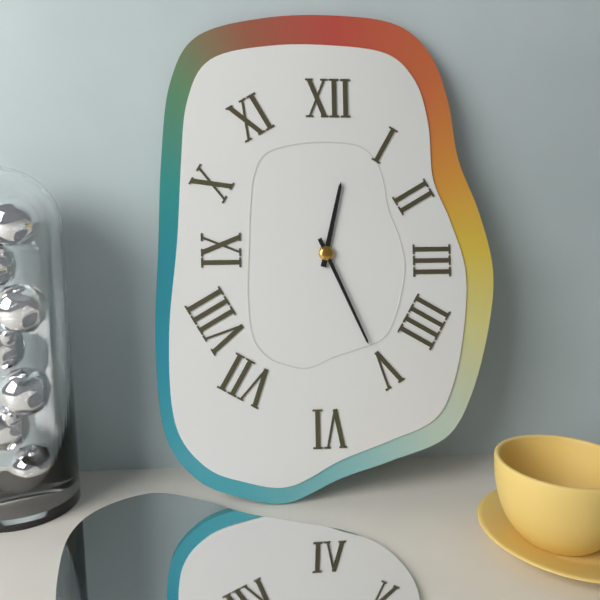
12h26
